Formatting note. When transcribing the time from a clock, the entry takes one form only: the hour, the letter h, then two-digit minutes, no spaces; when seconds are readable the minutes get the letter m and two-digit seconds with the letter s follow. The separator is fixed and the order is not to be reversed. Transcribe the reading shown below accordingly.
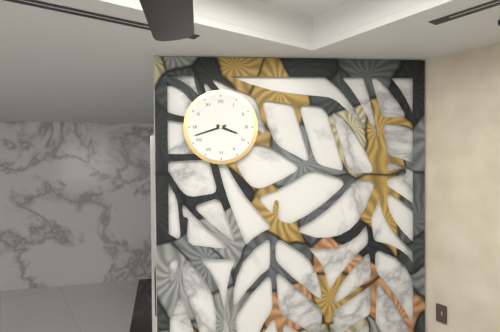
3h42
